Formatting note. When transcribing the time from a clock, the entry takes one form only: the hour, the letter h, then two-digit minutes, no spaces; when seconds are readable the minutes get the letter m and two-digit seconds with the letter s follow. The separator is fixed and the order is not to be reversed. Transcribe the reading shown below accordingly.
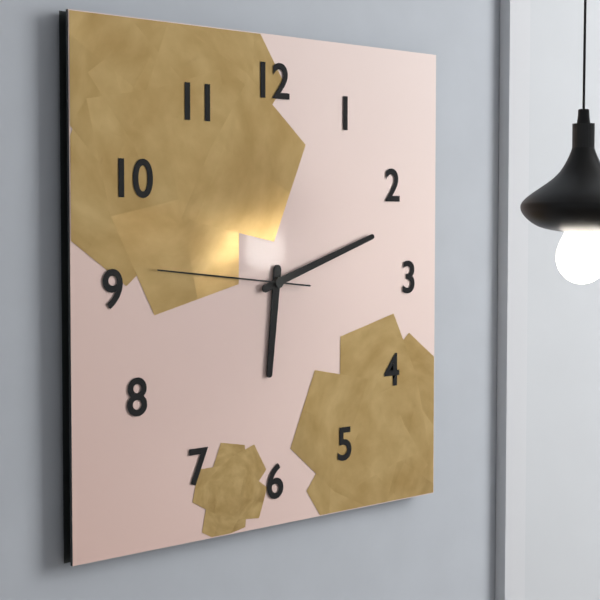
6h12m46s
